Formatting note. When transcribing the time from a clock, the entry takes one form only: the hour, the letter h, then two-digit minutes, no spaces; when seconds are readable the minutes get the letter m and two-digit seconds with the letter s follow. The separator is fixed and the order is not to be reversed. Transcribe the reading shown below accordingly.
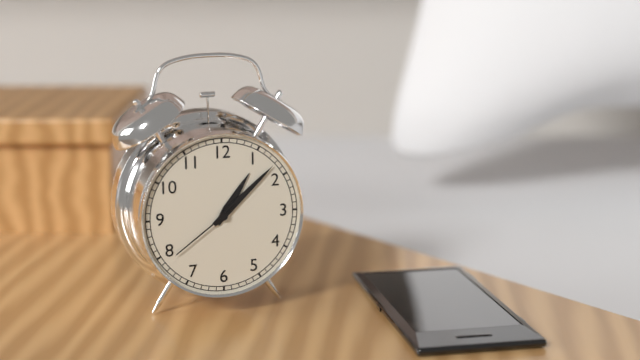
1h08m39s
